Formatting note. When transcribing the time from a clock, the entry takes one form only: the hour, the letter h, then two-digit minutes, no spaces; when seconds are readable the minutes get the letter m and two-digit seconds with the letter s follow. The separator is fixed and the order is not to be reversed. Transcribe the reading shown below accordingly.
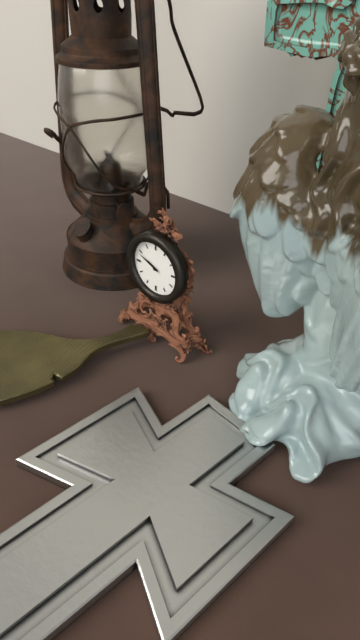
9h49
